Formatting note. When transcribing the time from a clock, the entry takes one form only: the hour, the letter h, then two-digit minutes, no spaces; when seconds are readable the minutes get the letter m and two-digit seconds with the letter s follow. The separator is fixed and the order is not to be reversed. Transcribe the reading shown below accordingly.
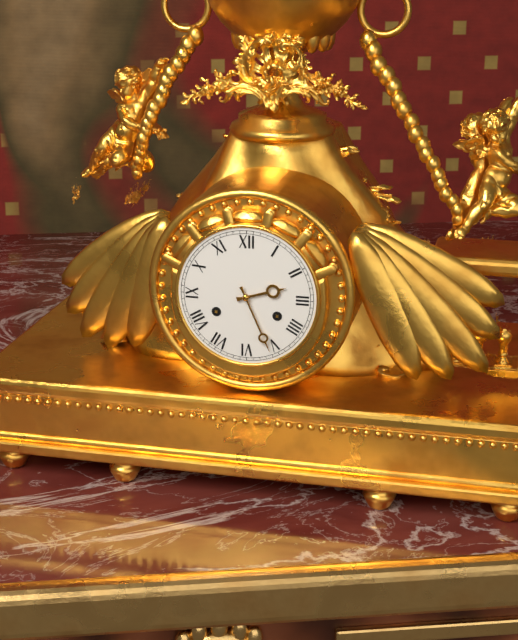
2h26
